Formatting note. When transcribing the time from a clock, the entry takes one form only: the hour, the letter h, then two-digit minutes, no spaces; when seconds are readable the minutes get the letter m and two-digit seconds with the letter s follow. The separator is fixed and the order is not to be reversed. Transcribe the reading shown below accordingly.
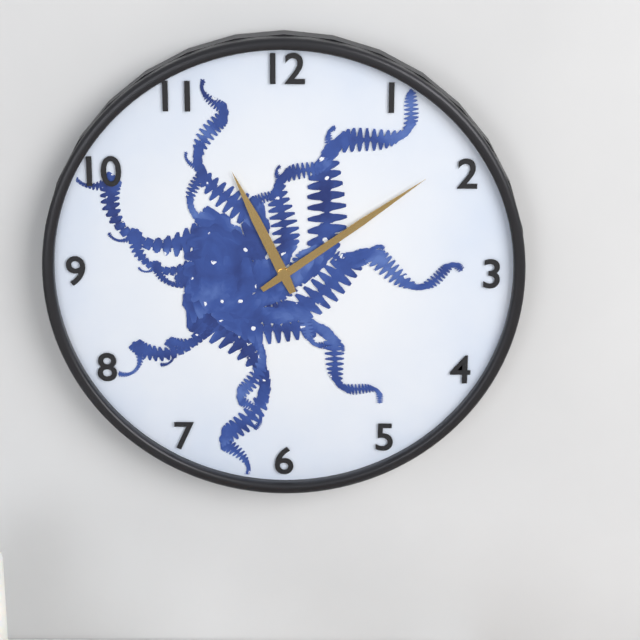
11h09
